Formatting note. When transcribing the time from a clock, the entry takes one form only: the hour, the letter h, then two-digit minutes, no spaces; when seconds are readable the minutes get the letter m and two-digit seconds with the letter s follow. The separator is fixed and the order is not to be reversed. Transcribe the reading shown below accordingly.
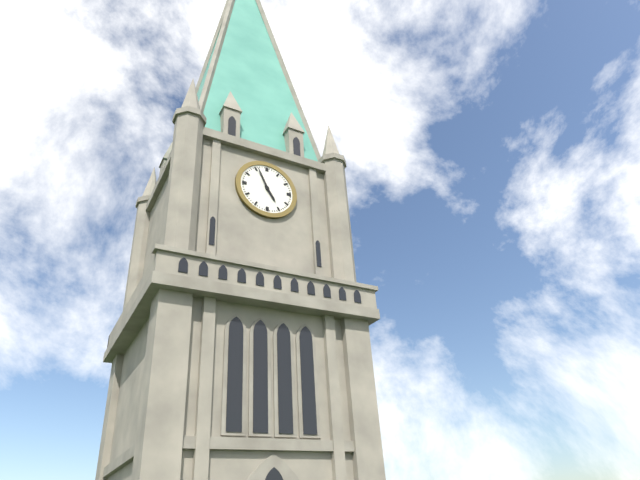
4h56
